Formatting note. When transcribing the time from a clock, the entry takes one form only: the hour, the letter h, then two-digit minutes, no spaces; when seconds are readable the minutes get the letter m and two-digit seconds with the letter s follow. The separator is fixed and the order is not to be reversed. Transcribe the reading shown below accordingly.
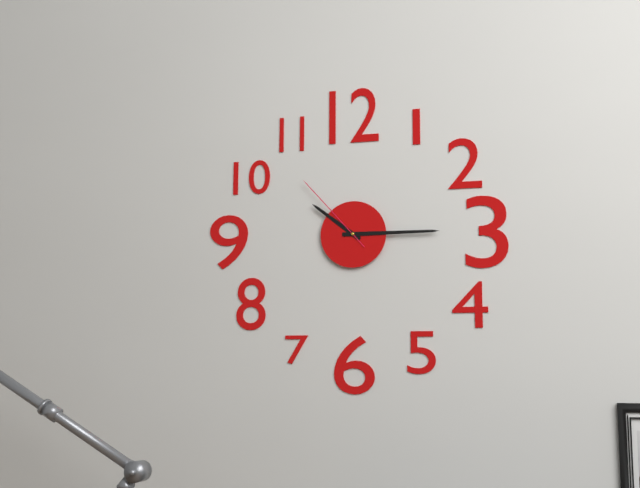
10h15m53s
